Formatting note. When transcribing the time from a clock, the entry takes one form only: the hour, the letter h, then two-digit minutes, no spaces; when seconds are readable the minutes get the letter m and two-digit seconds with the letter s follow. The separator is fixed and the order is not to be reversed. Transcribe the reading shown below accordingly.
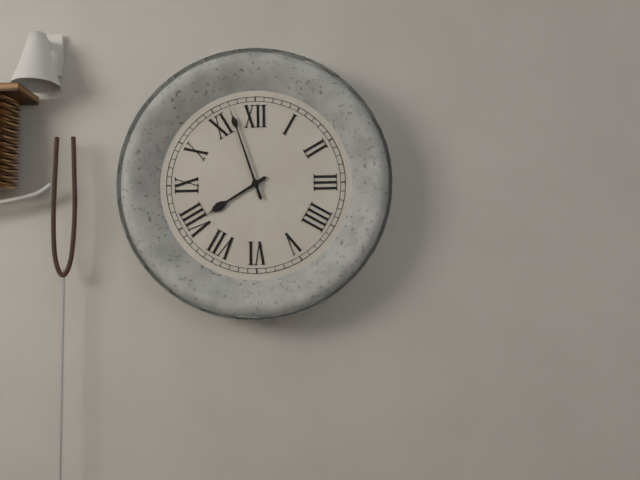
7h57
